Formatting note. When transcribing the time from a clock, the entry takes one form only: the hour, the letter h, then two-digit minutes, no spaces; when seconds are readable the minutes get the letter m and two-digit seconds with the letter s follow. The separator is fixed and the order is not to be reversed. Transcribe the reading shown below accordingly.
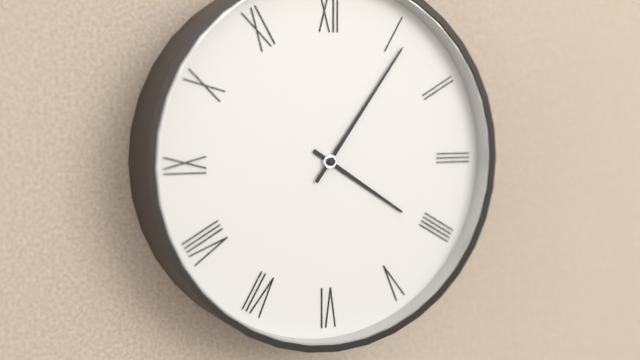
4h06
